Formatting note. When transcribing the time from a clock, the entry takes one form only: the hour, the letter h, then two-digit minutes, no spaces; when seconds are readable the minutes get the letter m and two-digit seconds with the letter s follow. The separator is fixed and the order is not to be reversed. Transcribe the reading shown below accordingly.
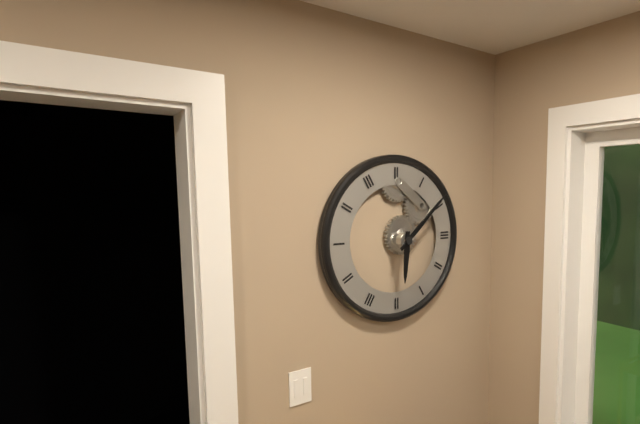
6h08
